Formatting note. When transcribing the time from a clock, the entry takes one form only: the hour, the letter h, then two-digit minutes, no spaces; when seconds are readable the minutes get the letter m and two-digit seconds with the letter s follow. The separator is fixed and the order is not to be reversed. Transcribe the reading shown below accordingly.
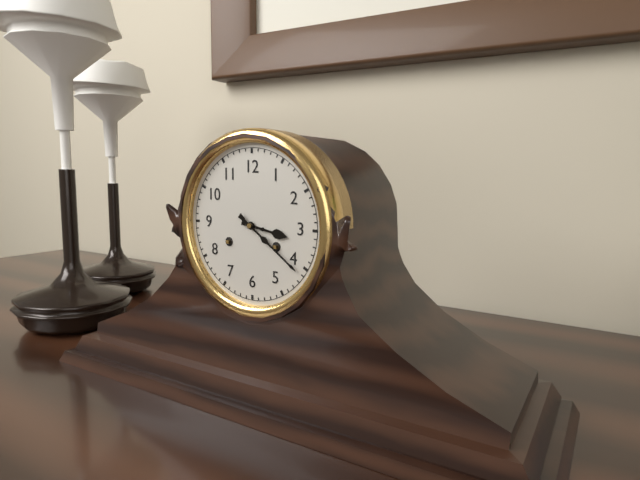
3h21
